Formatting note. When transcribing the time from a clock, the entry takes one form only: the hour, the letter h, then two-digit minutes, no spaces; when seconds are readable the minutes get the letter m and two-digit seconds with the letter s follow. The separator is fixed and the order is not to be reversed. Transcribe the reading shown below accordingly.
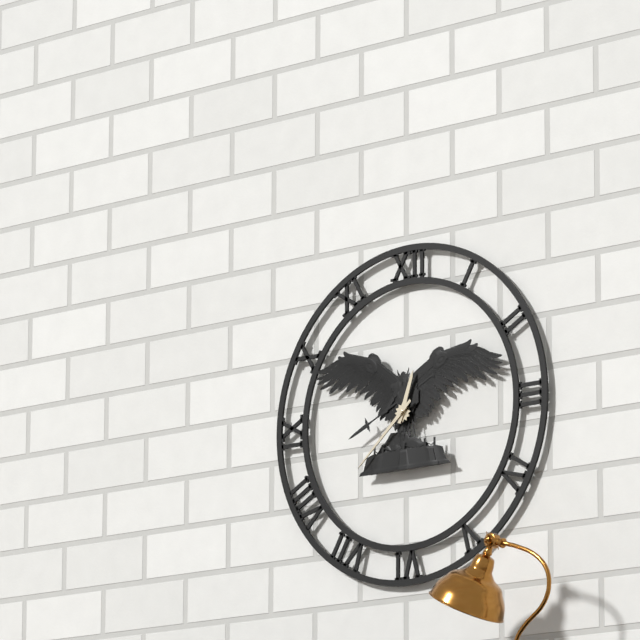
12h38
